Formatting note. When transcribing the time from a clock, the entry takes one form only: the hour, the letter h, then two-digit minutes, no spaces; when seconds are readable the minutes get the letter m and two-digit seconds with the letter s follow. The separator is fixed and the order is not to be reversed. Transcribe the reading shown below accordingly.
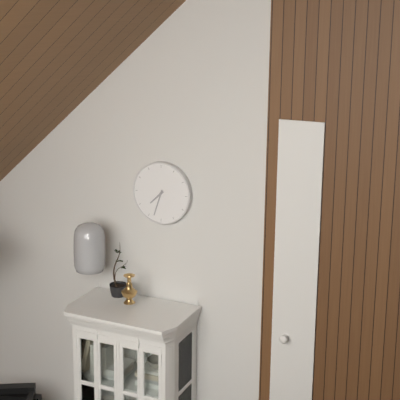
7h33
